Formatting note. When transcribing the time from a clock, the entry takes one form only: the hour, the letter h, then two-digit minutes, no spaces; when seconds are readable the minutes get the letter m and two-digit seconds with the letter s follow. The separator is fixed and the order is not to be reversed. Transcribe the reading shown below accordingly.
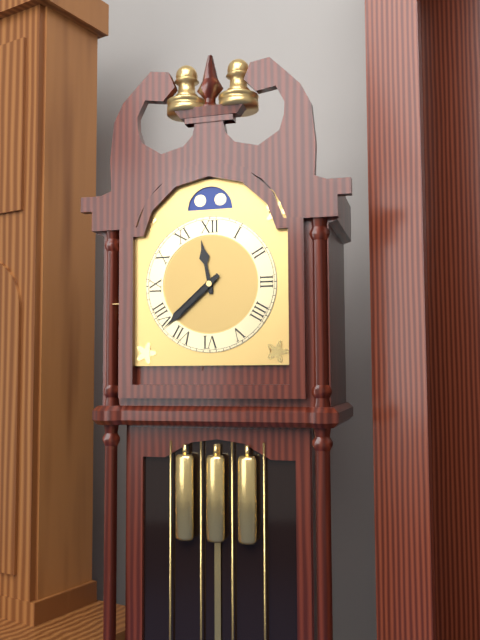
11h38
